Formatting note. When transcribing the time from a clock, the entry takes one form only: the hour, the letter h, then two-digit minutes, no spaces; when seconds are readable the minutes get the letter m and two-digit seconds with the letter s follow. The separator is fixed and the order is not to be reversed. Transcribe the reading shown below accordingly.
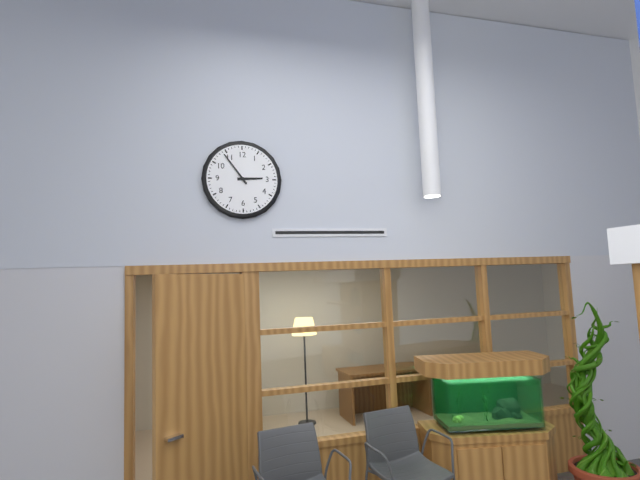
2h54
